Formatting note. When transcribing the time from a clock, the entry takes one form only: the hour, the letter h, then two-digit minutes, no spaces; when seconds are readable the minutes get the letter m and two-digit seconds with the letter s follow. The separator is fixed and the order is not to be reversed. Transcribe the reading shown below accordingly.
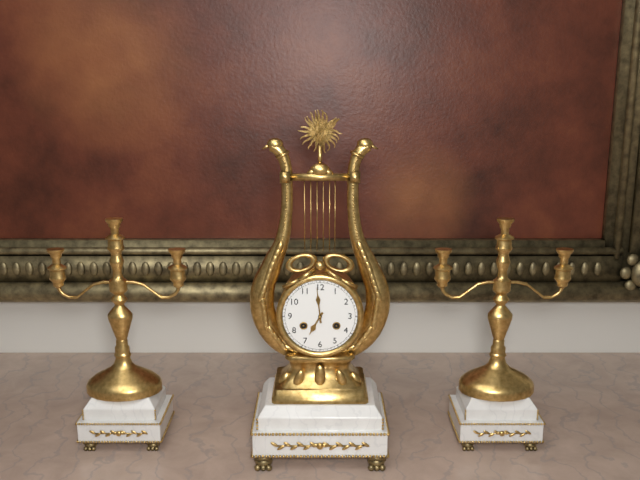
6h59
